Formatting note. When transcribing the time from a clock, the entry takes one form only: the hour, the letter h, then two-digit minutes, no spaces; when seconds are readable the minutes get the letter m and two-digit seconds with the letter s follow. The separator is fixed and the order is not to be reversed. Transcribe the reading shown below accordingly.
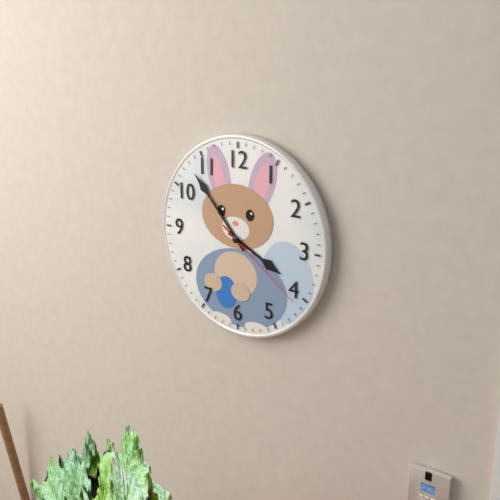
3h53m21s
